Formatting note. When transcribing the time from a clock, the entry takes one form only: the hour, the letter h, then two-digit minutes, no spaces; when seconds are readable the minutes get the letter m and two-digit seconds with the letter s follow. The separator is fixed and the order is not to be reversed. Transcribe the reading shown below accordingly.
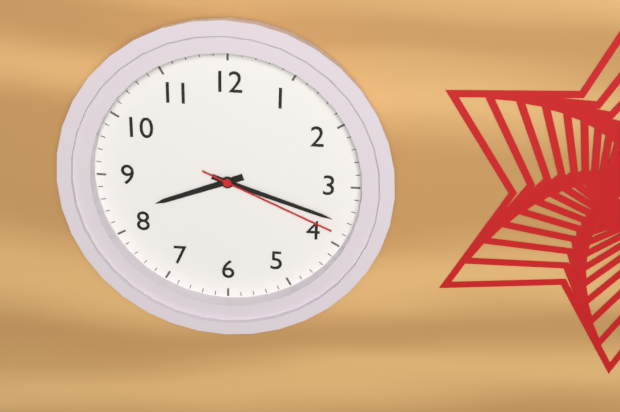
8h18m19s
